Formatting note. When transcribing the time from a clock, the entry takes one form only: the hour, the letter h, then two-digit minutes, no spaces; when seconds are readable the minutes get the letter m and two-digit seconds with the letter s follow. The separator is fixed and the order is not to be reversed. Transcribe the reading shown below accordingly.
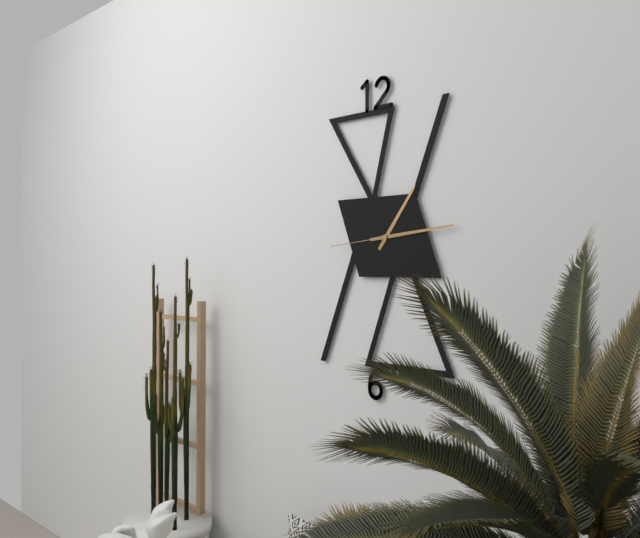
1h14m44s
